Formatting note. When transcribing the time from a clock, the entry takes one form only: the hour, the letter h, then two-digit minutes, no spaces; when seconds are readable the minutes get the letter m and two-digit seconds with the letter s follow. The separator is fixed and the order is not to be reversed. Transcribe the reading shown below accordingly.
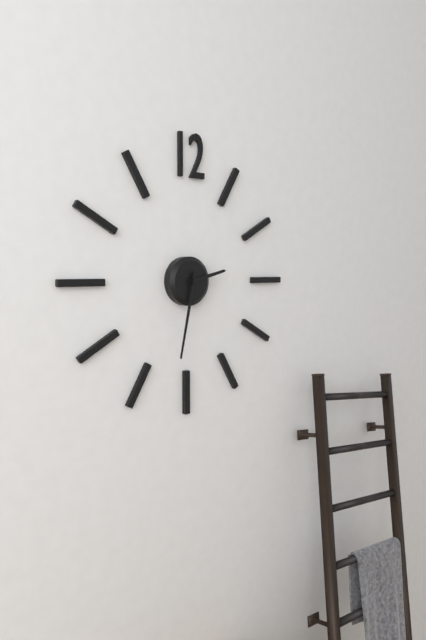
2h32
